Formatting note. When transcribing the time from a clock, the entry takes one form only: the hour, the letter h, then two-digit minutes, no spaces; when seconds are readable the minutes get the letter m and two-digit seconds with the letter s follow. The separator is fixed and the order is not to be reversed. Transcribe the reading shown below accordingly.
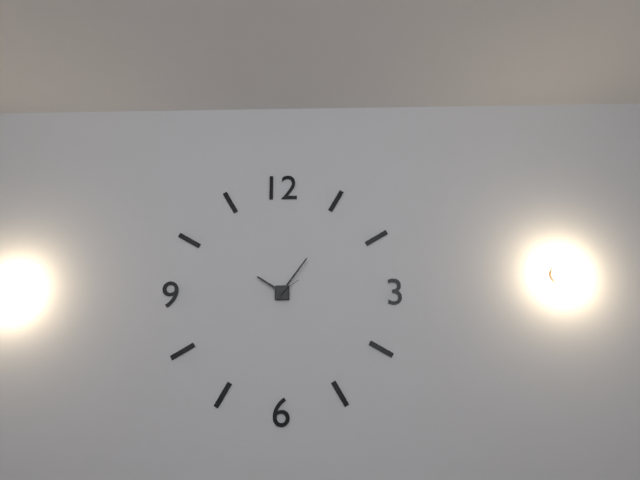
10h06
